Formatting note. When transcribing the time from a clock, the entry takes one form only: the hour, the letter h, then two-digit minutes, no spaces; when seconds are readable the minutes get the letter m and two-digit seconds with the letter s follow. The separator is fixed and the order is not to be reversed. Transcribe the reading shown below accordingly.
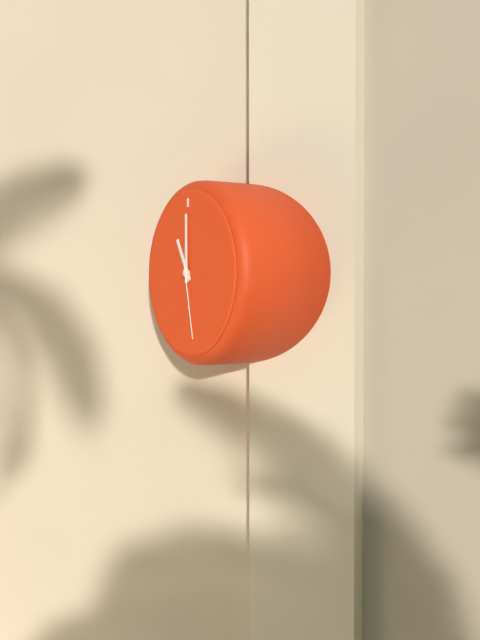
11h00m28s
